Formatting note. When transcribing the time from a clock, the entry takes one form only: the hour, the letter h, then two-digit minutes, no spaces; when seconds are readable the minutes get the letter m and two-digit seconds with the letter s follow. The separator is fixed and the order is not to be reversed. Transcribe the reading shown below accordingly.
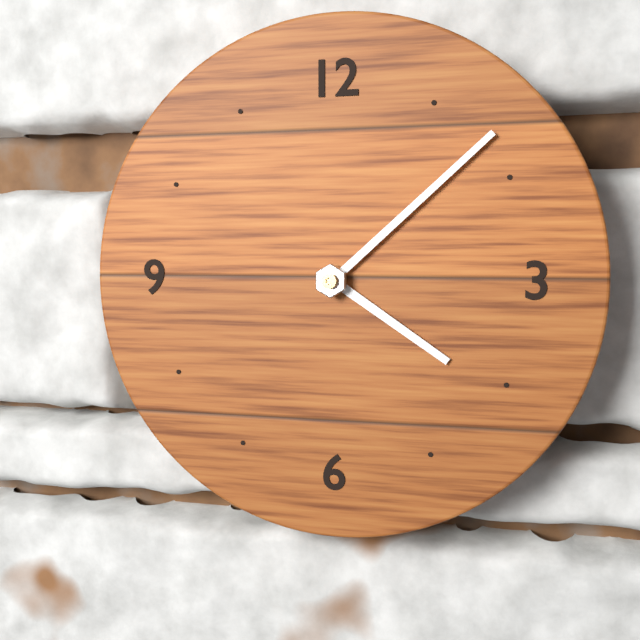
4h08
